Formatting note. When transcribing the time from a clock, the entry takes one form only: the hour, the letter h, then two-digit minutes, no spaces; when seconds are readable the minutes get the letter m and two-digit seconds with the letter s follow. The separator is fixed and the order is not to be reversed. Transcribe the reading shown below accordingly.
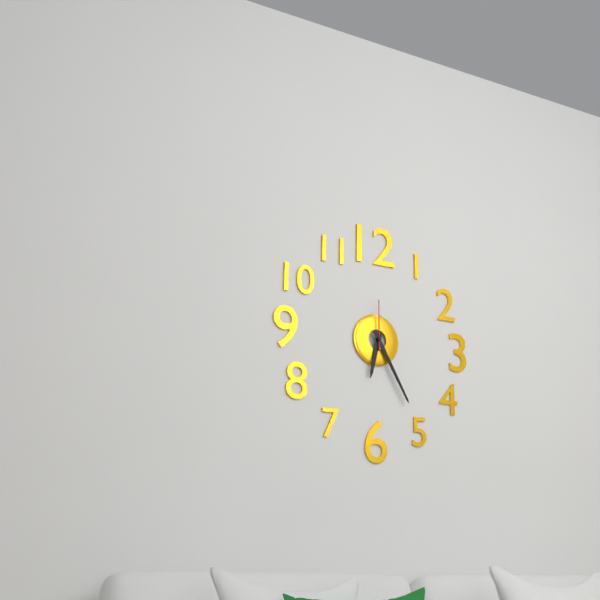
6h25
